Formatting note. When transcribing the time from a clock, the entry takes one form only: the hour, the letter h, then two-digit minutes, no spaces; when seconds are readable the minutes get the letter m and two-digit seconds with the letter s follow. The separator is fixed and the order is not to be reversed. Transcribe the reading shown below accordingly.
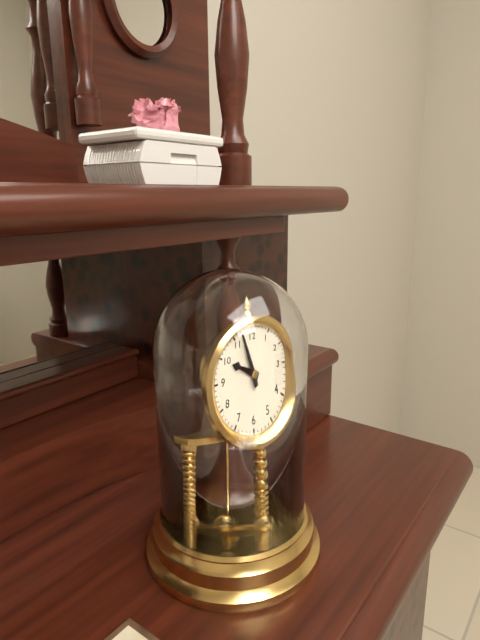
9h57
